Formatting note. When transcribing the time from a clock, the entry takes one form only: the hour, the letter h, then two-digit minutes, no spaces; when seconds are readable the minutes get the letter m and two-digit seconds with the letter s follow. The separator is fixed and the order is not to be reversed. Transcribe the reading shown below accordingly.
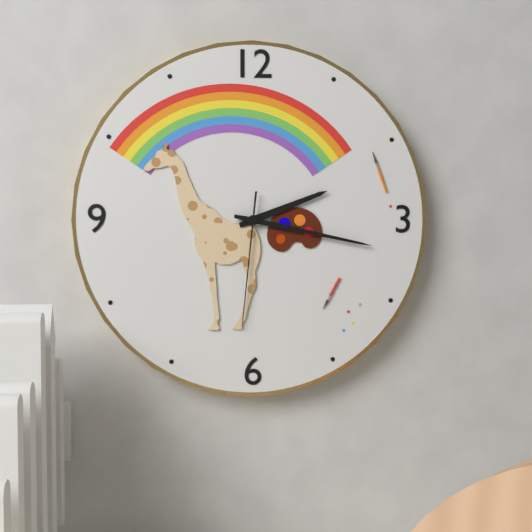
2h17m31s
